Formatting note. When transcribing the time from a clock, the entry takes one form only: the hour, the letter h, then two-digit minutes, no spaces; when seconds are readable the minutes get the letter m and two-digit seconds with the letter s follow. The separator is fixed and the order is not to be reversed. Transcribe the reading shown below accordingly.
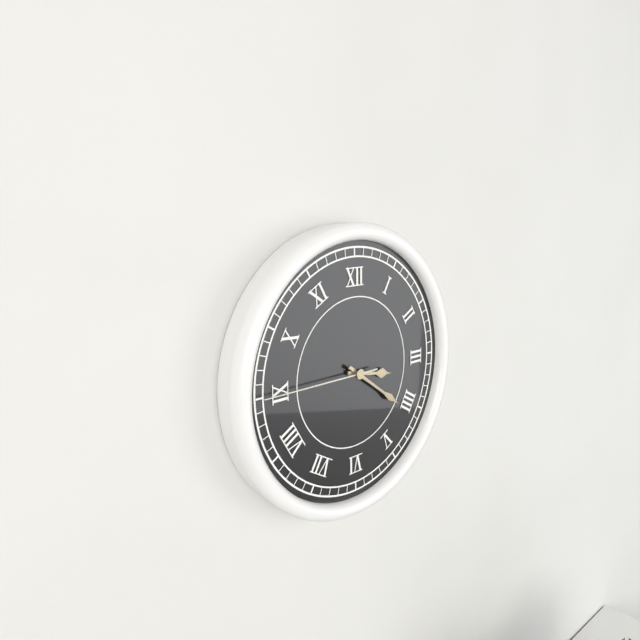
3h21m45s
